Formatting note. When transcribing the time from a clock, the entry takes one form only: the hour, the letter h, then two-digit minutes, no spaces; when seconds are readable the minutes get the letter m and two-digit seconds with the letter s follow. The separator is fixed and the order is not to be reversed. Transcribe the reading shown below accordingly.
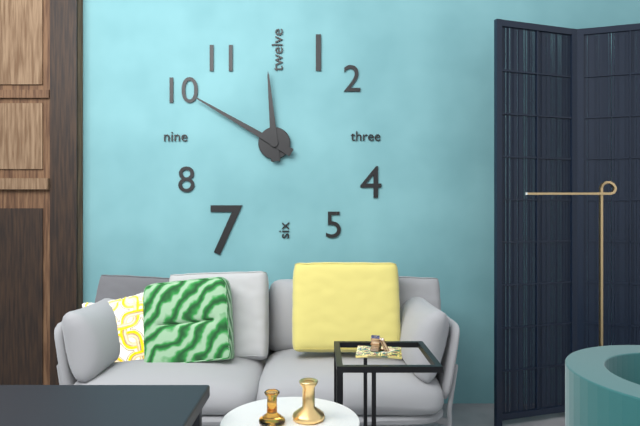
11h50
